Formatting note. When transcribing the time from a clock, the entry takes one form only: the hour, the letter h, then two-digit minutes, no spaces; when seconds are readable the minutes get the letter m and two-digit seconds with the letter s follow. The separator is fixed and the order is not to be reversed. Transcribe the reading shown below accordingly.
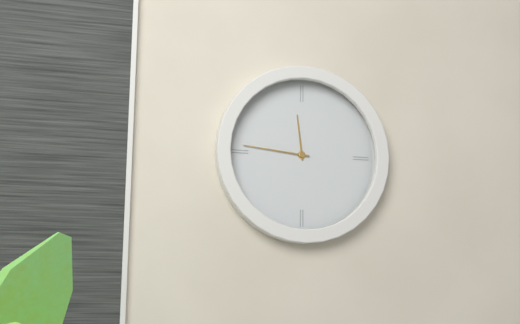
11h46
